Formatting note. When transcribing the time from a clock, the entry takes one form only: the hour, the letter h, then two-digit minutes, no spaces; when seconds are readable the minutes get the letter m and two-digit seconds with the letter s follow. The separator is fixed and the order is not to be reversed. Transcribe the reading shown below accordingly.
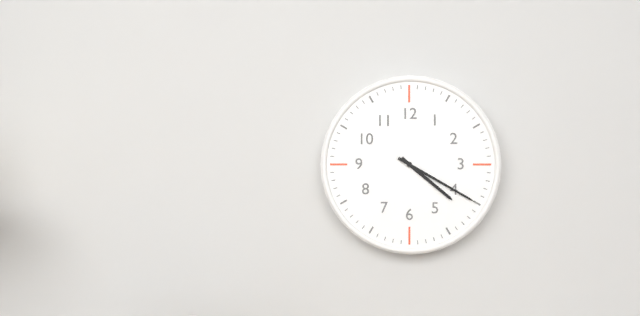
4h20
